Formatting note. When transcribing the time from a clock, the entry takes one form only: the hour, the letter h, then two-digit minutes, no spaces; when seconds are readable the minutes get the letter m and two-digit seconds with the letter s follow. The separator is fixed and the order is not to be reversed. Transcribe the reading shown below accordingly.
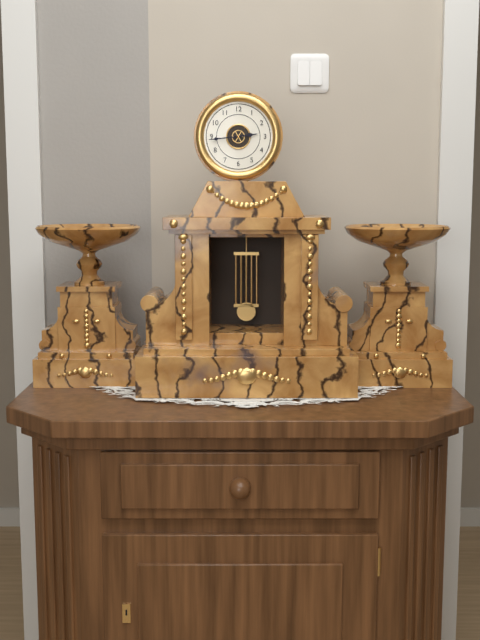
2h44
